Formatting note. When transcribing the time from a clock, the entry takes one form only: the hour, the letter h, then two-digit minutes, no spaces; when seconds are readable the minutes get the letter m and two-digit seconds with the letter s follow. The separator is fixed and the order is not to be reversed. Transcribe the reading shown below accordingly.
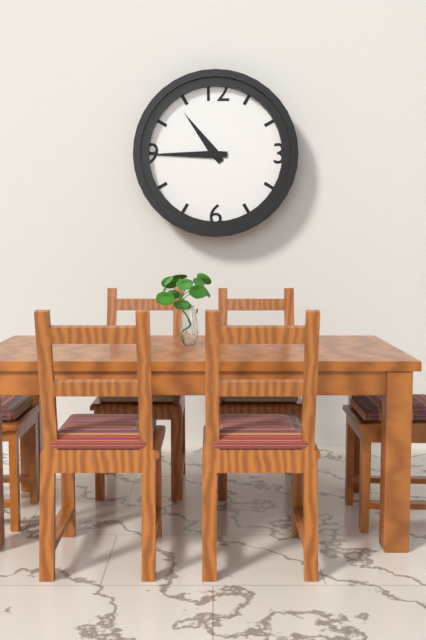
10h45
